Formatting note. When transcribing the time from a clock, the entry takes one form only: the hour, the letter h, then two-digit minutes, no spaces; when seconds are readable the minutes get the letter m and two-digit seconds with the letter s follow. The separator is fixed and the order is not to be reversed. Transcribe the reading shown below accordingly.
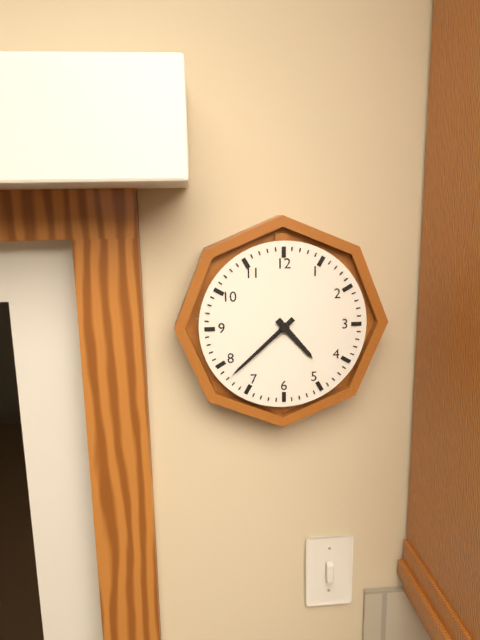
4h38
